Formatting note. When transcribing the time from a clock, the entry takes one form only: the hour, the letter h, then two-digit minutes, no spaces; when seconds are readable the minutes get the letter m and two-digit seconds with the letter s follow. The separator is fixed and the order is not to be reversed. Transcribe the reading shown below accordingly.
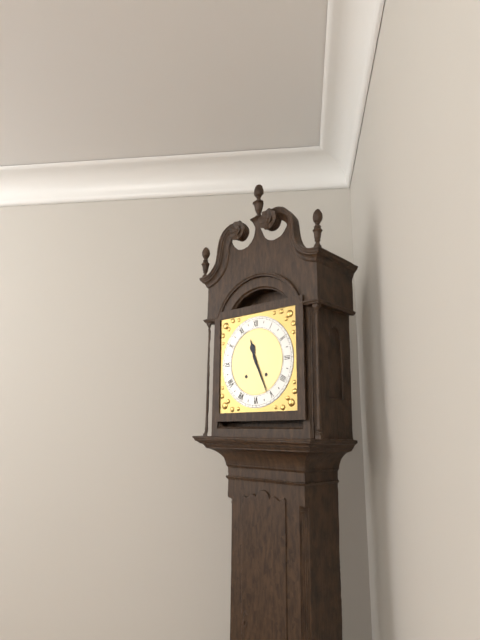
11h26
